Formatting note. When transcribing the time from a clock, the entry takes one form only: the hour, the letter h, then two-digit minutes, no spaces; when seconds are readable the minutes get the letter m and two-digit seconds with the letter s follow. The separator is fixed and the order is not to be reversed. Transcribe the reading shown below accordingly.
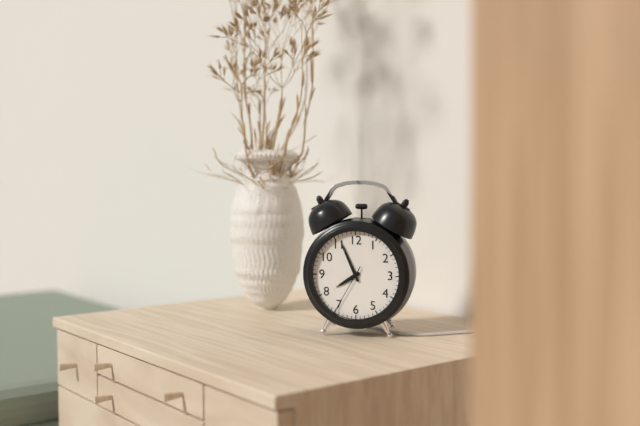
7h56m35s
